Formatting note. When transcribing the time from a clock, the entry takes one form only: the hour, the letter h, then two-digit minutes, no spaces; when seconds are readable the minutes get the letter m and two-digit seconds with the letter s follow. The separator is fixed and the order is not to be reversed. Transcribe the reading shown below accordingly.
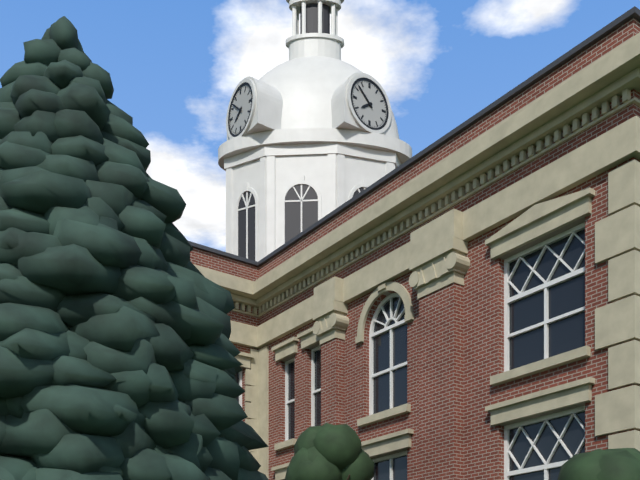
7h52
